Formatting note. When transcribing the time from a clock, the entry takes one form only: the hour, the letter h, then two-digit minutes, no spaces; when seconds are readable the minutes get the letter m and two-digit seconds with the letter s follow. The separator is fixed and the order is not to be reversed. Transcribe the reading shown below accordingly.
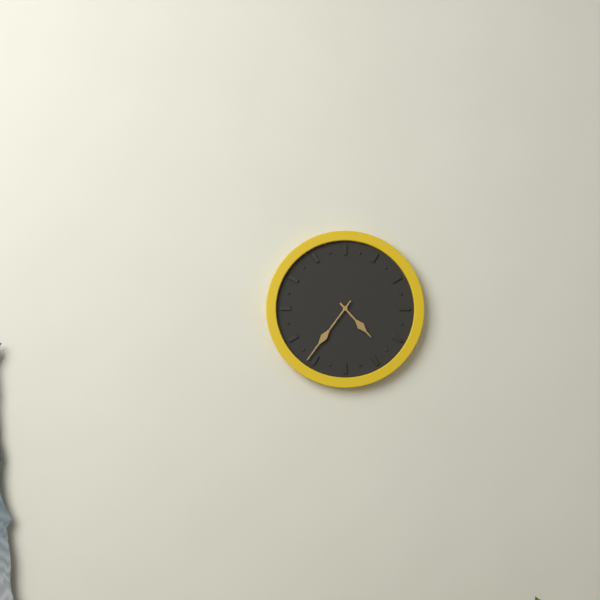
4h36
